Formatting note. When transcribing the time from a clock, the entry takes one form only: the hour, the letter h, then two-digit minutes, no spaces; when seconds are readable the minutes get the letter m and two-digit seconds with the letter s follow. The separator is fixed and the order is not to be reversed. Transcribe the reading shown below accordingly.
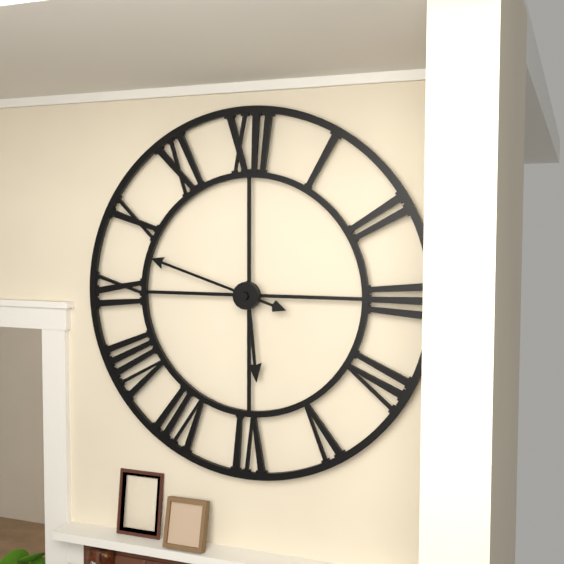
5h48
